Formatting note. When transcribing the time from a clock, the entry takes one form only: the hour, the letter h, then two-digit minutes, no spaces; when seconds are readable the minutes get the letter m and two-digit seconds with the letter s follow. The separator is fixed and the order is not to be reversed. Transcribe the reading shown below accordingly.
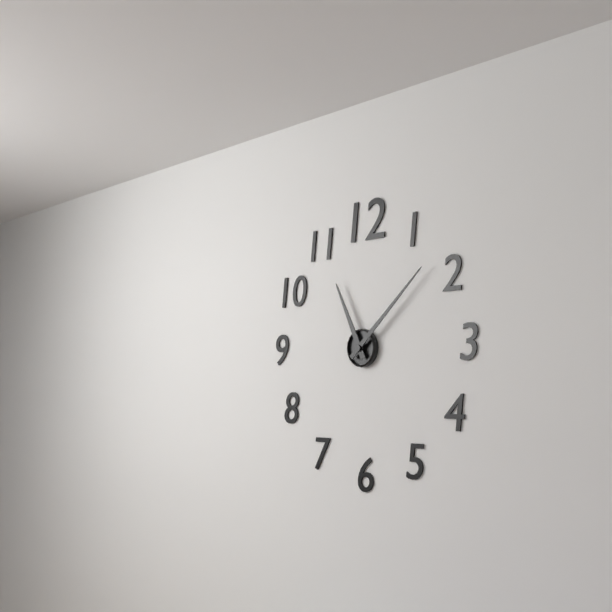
11h08
